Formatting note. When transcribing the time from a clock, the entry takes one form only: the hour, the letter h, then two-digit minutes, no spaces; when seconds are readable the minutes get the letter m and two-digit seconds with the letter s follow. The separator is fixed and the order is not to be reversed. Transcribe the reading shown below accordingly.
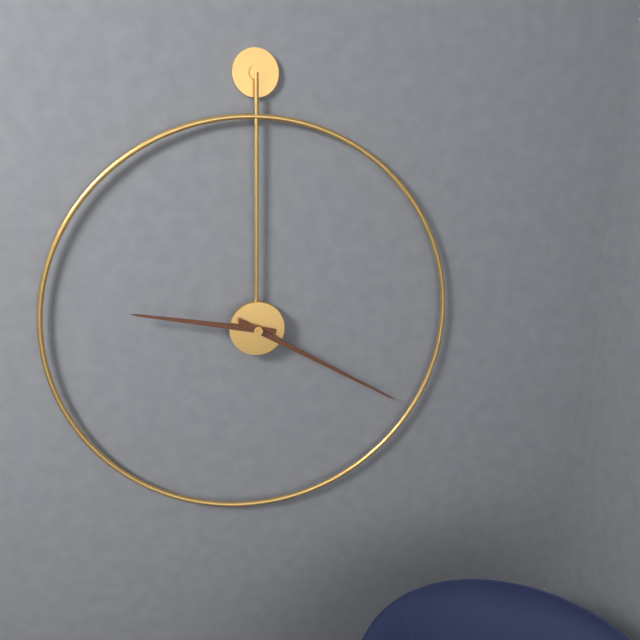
9h20
